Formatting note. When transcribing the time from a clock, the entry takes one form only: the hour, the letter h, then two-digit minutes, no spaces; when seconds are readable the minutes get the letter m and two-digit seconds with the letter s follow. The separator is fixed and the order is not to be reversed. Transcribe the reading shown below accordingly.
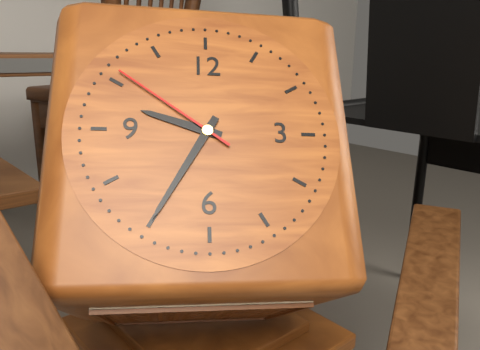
9h35m51s
